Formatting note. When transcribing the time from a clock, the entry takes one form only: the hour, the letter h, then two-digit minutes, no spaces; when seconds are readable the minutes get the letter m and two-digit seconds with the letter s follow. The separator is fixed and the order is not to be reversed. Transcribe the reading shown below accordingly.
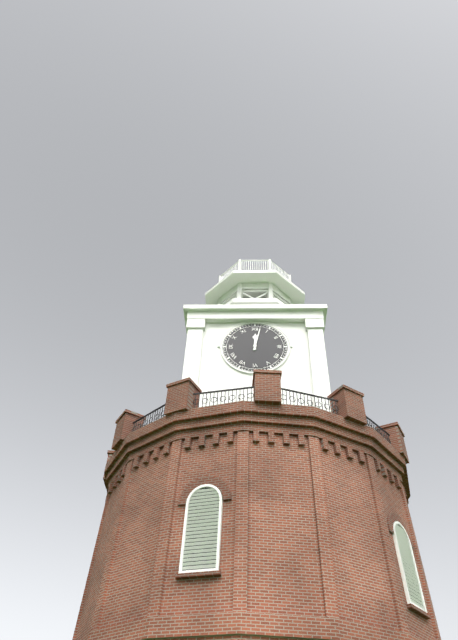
12h02
